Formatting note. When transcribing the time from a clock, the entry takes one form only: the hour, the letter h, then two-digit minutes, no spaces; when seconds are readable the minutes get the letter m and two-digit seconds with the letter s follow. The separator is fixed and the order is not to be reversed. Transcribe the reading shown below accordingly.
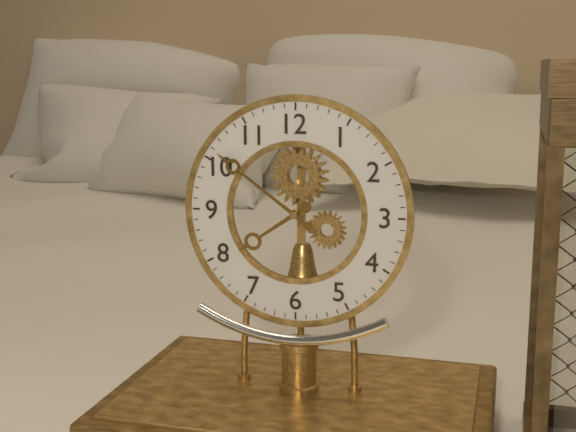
7h51
